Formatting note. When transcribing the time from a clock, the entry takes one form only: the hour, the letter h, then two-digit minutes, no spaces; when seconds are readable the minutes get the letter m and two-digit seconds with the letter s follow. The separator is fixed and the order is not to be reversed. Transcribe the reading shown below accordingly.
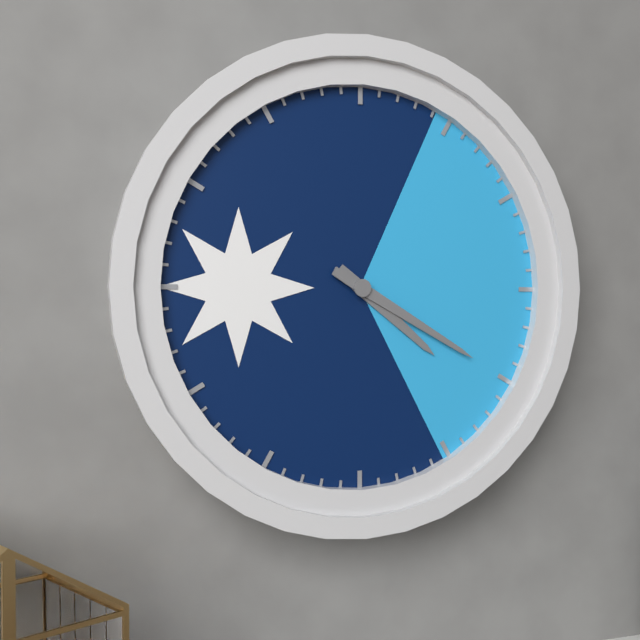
4h20
